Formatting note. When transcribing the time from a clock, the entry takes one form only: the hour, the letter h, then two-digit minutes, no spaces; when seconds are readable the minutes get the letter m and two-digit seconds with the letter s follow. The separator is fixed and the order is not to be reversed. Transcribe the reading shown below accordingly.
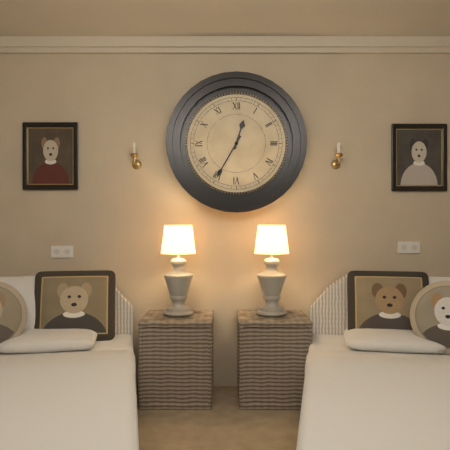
12h35
